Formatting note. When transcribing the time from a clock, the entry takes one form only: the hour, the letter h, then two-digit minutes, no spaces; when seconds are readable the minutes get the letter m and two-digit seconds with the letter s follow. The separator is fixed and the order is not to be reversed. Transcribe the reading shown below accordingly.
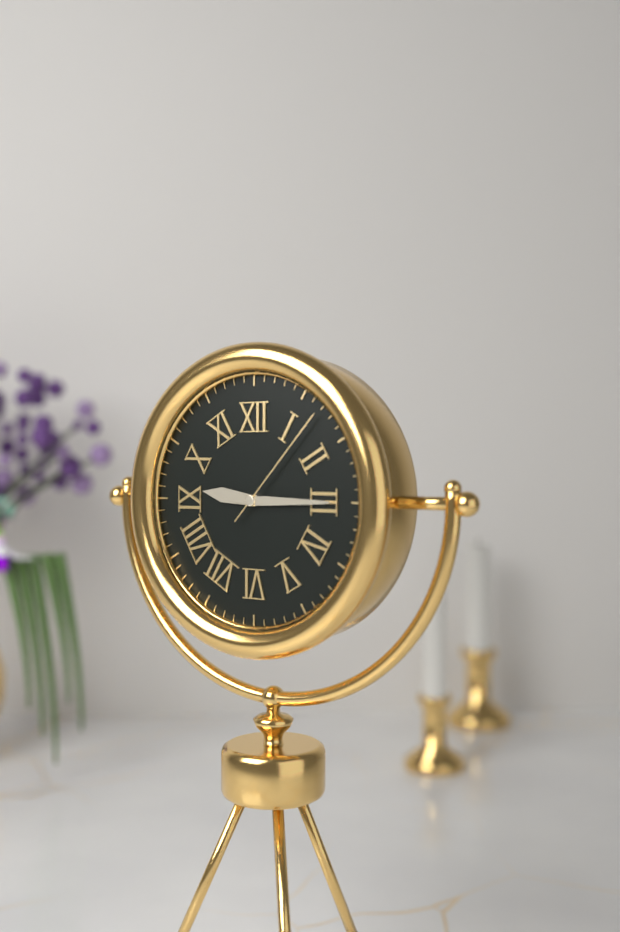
9h15m07s
